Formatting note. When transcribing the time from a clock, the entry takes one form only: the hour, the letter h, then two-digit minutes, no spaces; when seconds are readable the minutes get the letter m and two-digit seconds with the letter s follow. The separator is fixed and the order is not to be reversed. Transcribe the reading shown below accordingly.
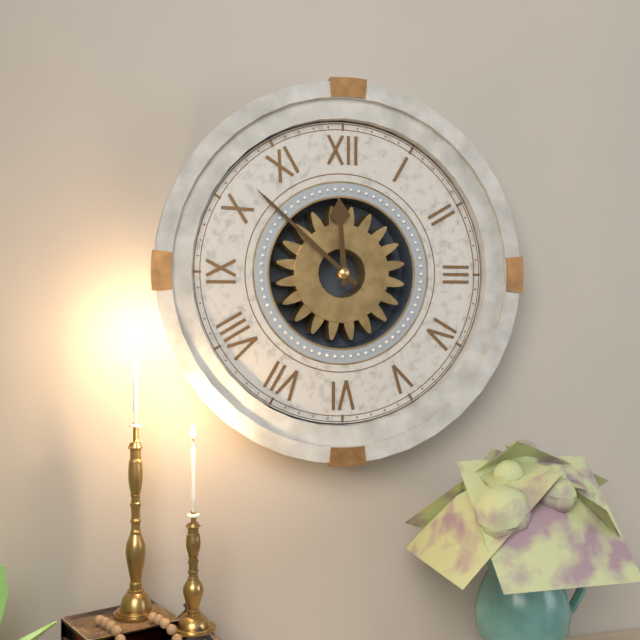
11h52
